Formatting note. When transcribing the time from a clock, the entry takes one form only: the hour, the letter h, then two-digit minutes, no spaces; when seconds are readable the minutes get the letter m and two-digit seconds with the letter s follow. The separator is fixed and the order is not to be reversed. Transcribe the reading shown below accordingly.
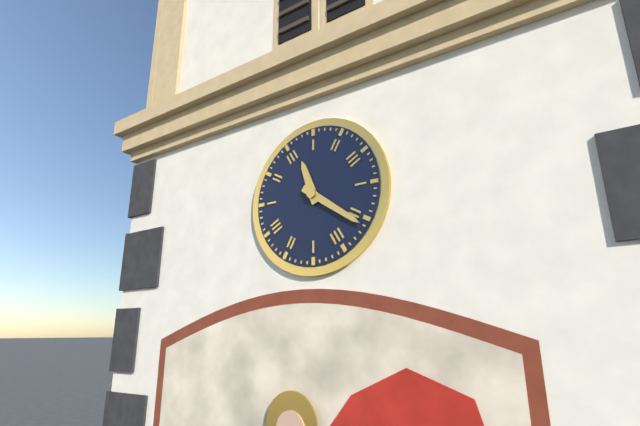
11h21
